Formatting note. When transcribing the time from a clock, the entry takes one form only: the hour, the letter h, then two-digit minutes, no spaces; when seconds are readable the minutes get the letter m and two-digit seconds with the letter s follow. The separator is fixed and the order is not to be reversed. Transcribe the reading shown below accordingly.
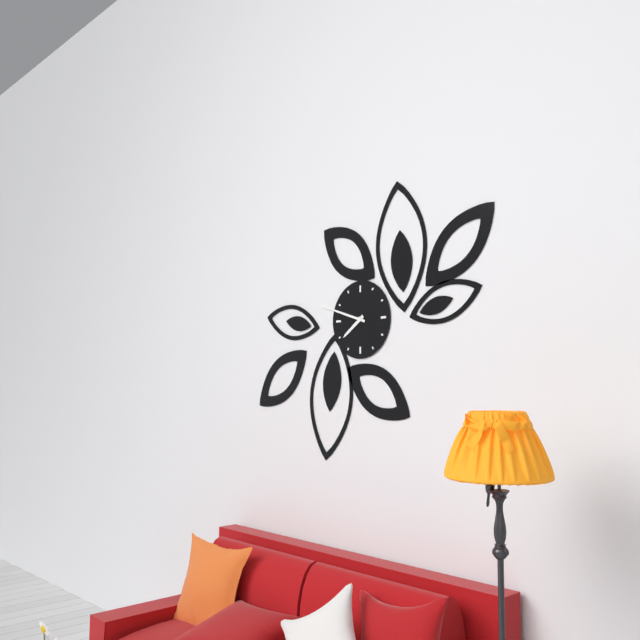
7h48
